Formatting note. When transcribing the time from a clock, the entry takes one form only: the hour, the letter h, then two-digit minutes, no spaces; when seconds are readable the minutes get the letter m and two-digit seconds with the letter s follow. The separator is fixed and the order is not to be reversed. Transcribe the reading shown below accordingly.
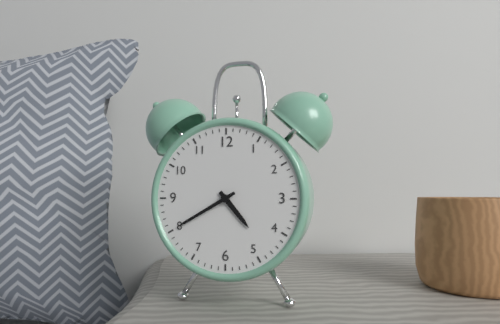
4h40
